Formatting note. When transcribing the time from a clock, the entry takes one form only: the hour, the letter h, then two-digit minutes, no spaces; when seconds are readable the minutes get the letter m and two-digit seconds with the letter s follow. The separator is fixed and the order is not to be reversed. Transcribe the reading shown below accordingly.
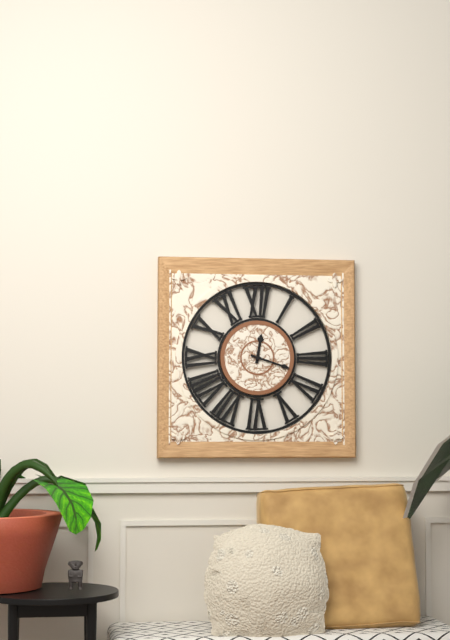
12h18
